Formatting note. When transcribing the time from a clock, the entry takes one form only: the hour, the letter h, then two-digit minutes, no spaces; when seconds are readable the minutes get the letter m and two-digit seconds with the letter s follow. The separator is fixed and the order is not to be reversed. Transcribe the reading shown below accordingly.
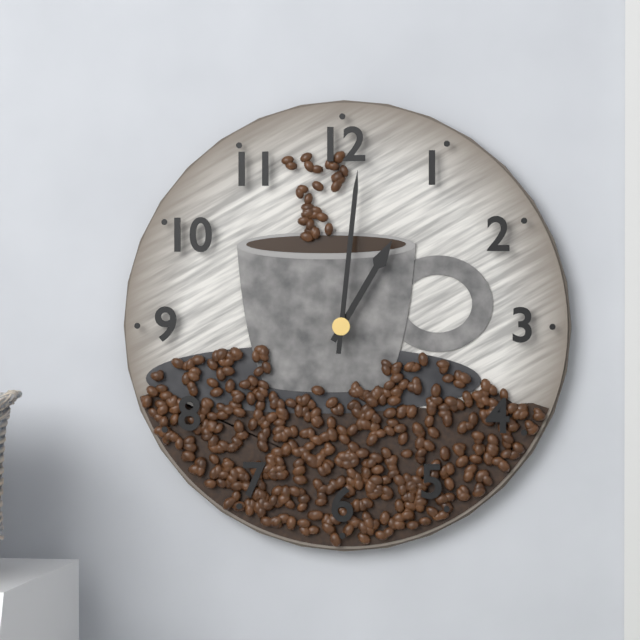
1h01
